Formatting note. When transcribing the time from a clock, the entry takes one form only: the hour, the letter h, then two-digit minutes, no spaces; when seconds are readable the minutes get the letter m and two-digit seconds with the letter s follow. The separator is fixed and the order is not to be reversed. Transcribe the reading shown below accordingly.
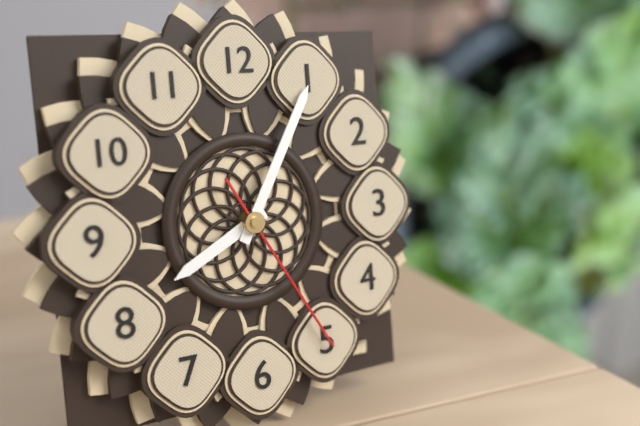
8h05m25s
